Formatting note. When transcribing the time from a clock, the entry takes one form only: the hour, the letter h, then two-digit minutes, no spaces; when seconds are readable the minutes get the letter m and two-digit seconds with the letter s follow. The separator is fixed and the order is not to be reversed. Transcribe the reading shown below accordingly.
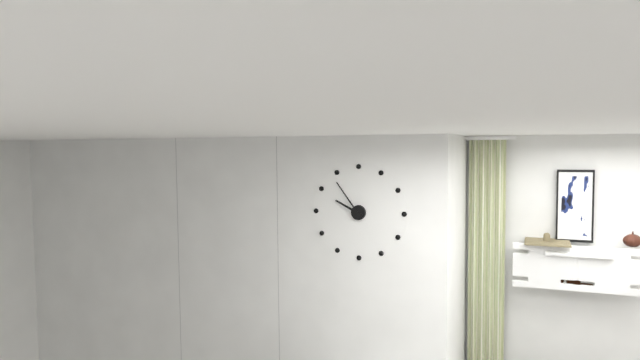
9h54
